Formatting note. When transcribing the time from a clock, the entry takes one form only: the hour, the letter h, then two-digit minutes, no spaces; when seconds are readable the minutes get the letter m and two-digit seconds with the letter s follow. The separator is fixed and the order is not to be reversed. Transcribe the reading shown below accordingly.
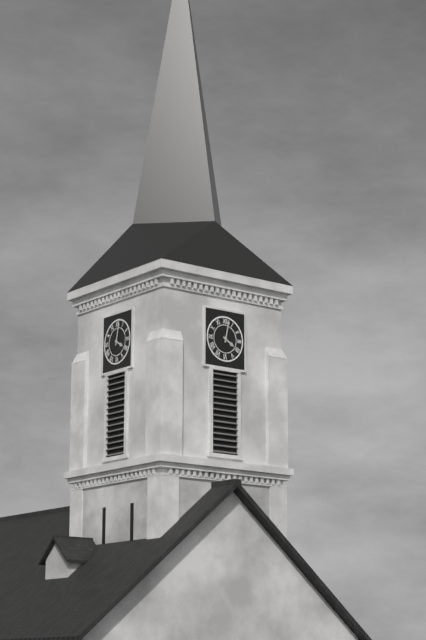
4h02
